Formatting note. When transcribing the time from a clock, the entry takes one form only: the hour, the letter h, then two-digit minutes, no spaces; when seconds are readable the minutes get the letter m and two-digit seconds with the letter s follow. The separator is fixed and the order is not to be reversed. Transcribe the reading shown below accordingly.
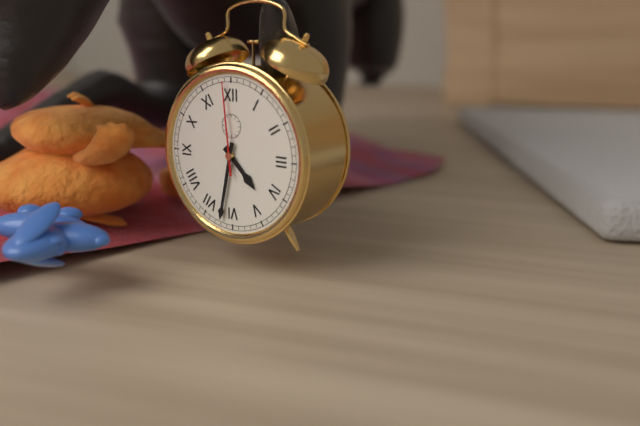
4h32m59s
